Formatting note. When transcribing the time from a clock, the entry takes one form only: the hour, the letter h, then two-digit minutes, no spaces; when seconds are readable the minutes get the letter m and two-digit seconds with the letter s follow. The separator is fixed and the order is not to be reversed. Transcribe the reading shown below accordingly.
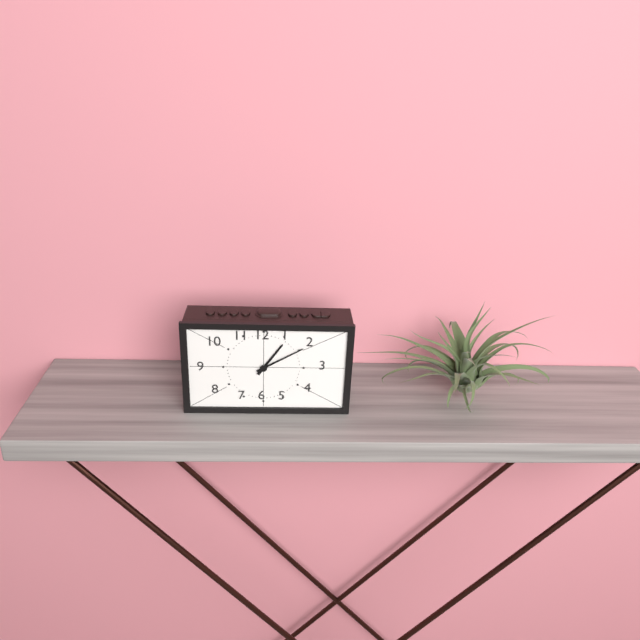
1h10
